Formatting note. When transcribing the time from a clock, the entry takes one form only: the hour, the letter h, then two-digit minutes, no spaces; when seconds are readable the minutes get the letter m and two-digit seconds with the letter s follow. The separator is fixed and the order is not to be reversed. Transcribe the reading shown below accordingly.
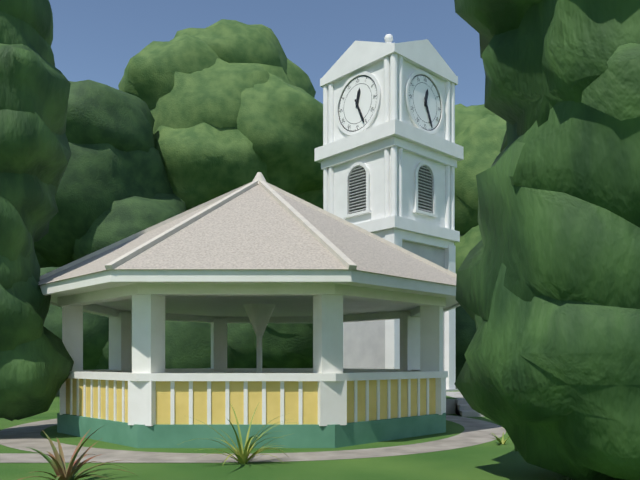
12h26
